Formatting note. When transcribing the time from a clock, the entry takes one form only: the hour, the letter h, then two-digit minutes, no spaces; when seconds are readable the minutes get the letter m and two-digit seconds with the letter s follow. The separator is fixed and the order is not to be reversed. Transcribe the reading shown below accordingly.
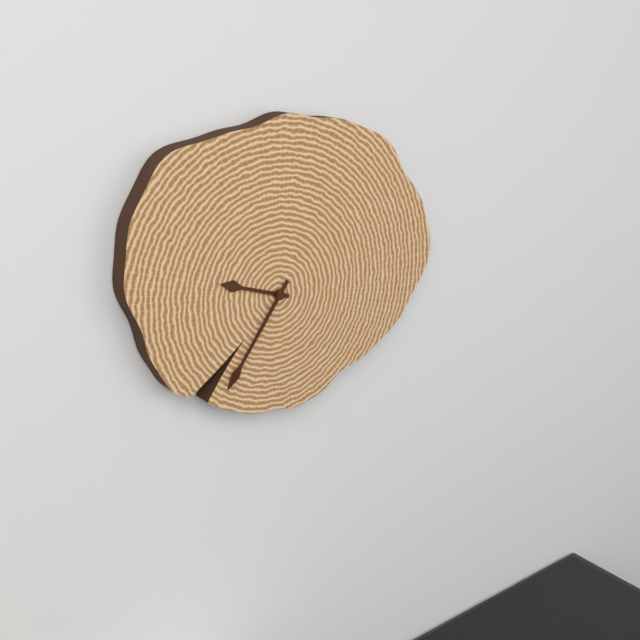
9h36
